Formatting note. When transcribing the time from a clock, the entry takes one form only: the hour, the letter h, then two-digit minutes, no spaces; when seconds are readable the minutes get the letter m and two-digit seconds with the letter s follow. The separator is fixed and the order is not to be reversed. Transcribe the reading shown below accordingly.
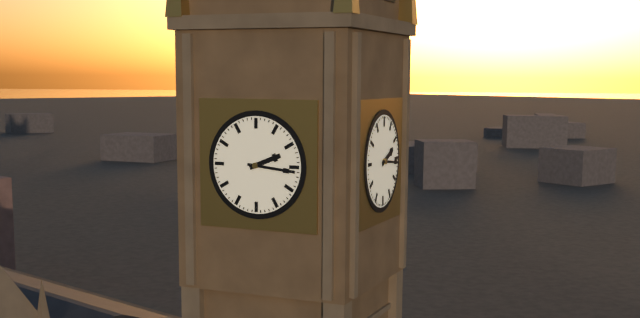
2h16
